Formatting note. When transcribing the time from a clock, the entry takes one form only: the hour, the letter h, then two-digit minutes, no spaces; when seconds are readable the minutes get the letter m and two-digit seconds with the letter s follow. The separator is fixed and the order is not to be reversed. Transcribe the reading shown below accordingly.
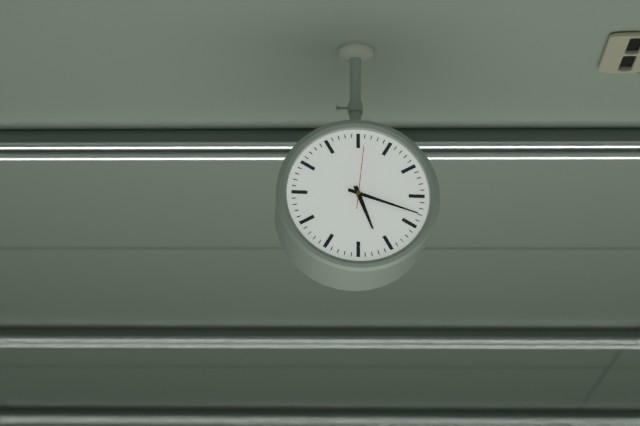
5h18m01s
